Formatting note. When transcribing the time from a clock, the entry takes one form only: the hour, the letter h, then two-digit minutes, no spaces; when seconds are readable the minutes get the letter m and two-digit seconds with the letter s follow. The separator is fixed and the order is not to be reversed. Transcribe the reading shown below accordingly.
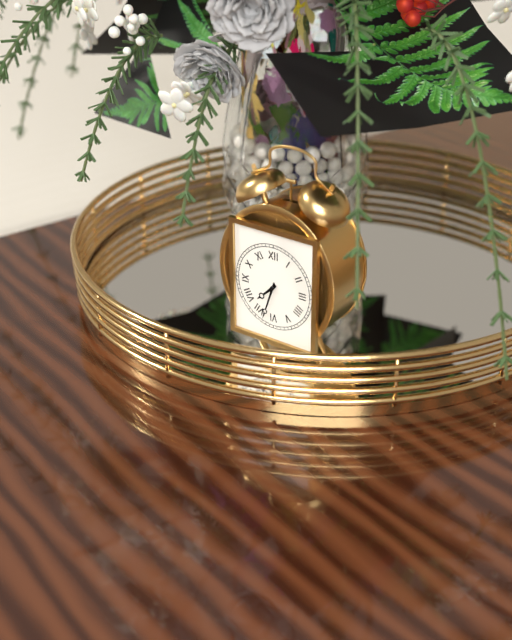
7h33
